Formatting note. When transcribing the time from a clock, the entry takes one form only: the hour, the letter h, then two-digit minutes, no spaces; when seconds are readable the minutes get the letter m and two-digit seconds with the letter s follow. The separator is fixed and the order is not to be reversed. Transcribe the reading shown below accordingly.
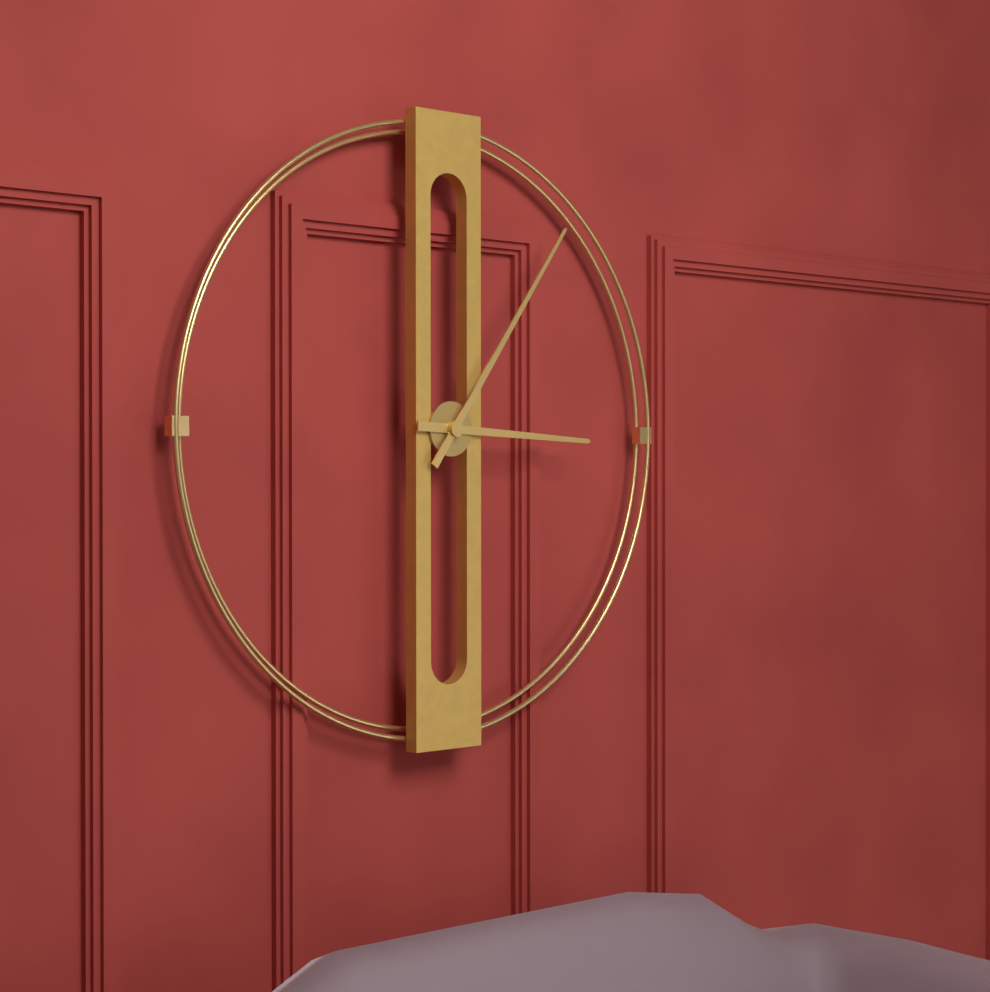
3h06
